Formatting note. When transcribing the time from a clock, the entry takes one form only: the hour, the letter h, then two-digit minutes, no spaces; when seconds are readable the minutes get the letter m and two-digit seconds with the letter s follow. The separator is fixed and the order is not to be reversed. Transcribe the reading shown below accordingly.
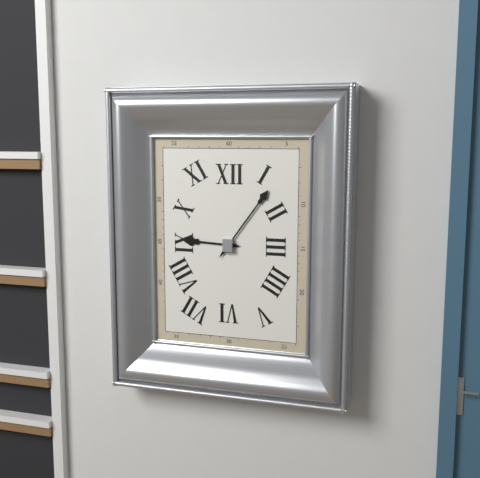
9h06
